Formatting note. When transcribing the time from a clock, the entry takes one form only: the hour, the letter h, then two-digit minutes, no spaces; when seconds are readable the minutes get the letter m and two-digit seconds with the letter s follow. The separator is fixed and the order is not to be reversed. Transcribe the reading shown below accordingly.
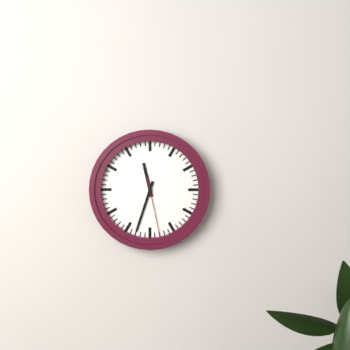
11h33m28s
